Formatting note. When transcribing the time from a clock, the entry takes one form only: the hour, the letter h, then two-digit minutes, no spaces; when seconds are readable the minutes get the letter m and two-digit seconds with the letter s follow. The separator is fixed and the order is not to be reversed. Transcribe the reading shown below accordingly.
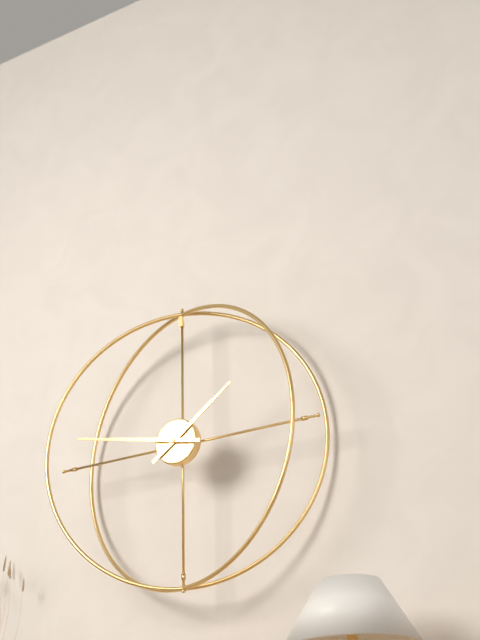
1h47
